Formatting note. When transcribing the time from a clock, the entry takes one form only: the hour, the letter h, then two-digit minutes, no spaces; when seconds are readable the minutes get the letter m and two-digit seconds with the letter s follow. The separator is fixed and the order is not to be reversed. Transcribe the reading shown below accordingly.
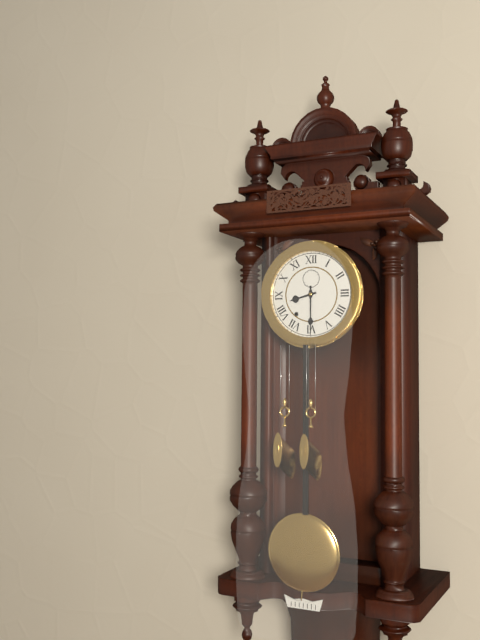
8h30
